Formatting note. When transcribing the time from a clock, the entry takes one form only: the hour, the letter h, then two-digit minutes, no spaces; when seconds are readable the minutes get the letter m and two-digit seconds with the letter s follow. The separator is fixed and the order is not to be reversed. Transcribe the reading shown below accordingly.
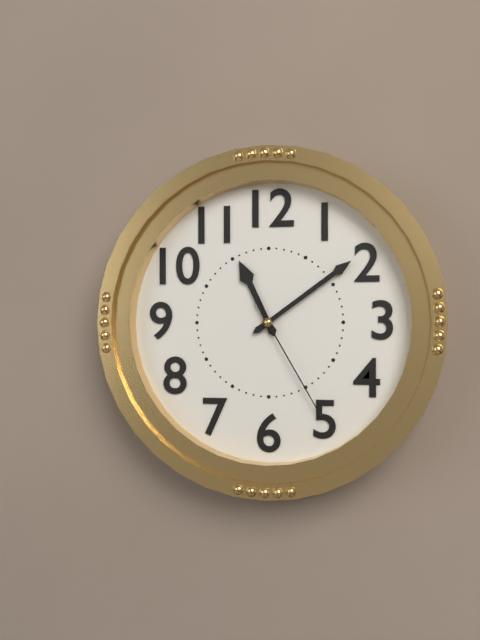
11h09m25s
